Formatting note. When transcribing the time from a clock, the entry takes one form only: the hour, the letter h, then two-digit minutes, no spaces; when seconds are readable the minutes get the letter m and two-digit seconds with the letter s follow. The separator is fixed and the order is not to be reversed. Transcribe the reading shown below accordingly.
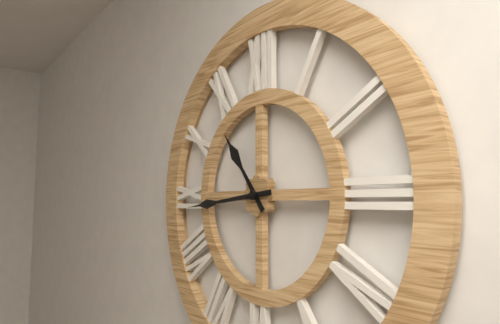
10h44
